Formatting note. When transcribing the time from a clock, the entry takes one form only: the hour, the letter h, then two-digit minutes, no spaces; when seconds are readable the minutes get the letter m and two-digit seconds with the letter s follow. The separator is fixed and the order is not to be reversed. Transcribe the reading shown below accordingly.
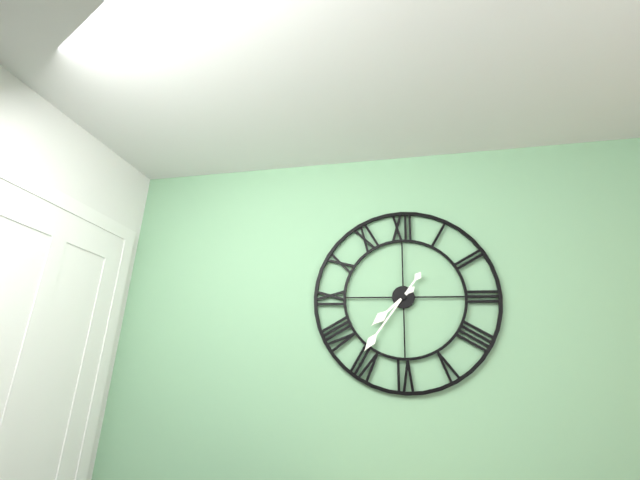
7h36
